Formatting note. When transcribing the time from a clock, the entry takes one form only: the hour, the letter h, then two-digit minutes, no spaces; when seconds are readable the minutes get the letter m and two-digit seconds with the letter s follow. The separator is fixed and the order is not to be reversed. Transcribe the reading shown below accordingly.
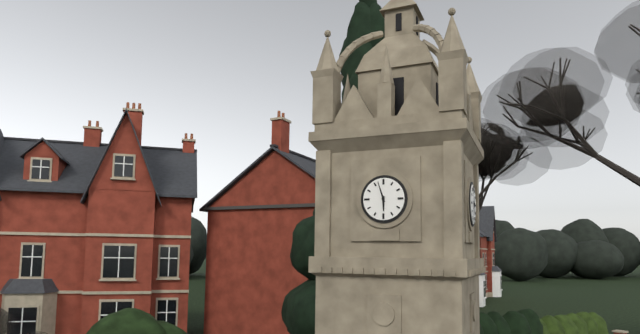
5h57
